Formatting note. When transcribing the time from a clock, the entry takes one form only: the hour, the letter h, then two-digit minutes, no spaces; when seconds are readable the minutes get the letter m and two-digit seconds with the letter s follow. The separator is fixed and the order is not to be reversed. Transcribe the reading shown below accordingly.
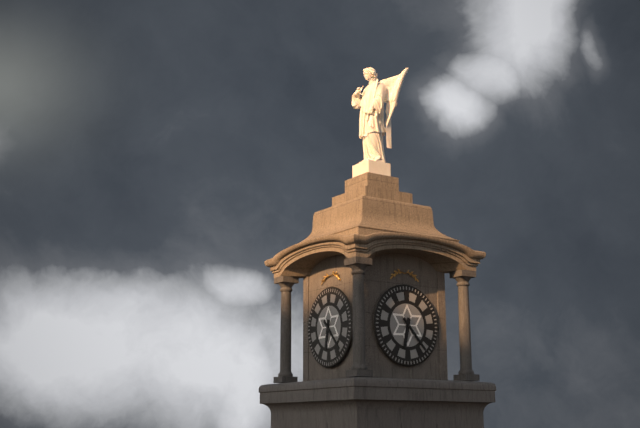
6h23
